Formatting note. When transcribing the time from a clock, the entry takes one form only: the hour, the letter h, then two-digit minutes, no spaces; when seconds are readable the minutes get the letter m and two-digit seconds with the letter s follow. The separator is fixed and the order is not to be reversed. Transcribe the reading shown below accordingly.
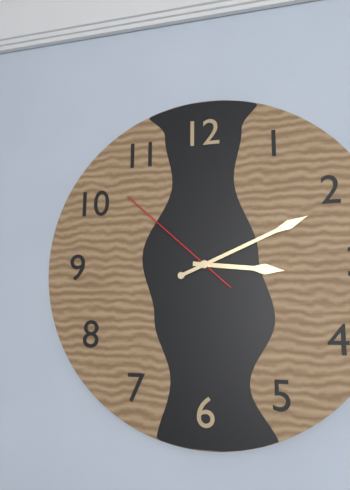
3h11m52s
